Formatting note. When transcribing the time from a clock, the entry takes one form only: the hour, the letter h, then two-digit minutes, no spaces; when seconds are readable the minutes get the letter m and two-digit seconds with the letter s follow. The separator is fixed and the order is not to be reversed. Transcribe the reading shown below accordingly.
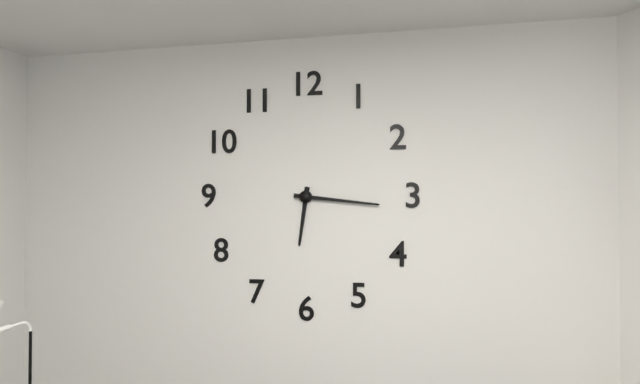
6h16
